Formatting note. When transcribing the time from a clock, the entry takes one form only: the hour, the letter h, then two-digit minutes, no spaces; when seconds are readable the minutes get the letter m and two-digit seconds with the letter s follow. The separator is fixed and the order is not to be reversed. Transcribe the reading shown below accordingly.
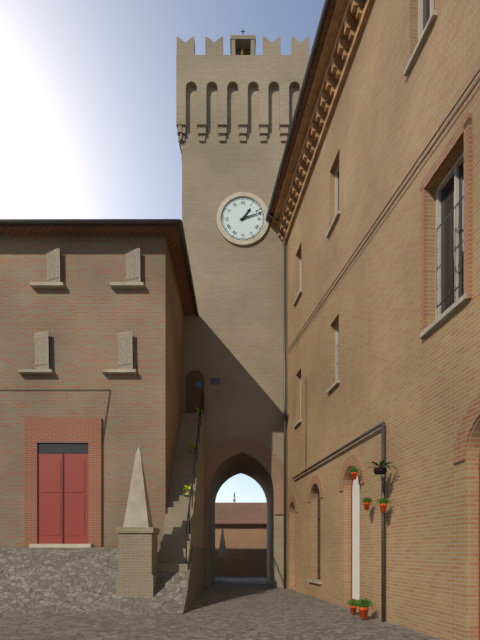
1h12
